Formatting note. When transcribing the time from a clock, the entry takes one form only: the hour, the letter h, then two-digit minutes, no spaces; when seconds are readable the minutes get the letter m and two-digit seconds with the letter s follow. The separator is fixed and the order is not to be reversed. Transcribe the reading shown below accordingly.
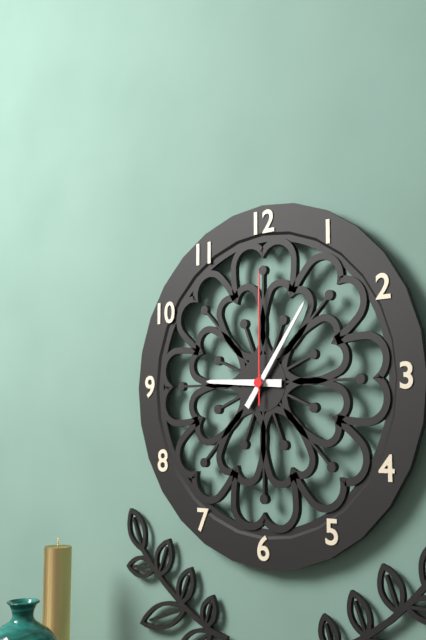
9h06m00s
